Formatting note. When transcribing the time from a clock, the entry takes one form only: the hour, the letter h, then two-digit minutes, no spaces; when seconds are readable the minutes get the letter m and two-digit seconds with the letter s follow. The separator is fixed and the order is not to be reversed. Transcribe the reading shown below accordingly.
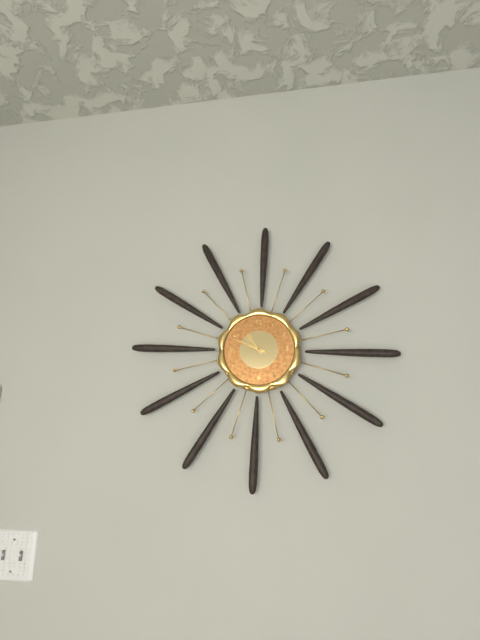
10h49
